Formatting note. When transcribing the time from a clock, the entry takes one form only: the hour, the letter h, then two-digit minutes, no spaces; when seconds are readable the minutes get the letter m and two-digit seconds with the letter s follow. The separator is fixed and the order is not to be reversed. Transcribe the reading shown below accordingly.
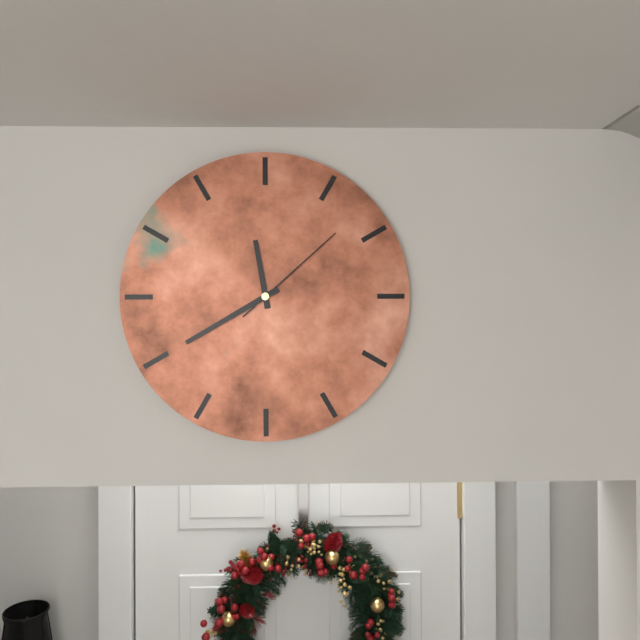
11h40m08s
